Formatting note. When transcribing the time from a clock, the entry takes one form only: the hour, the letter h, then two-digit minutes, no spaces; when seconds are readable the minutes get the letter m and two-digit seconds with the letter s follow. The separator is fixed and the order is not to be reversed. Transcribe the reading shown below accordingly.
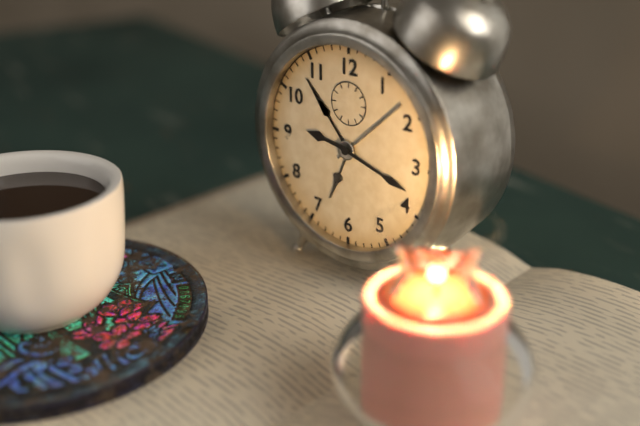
9h18
